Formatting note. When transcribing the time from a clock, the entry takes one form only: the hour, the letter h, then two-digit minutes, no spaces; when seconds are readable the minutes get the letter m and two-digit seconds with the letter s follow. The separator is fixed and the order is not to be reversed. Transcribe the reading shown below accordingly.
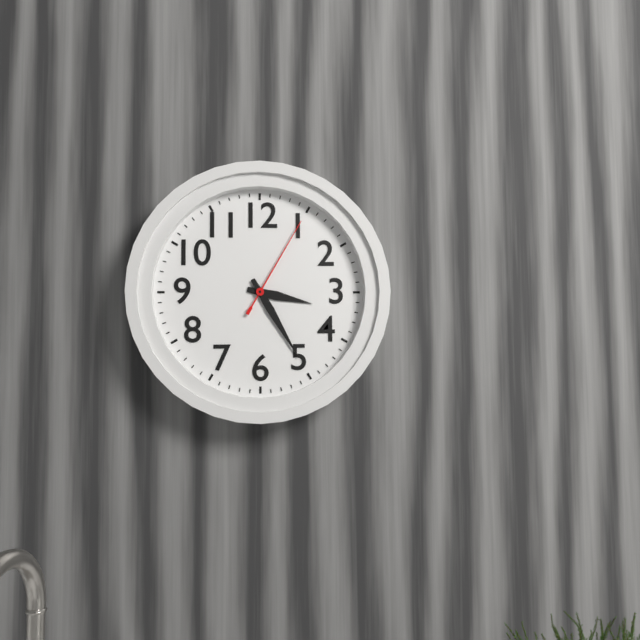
3h25m05s
